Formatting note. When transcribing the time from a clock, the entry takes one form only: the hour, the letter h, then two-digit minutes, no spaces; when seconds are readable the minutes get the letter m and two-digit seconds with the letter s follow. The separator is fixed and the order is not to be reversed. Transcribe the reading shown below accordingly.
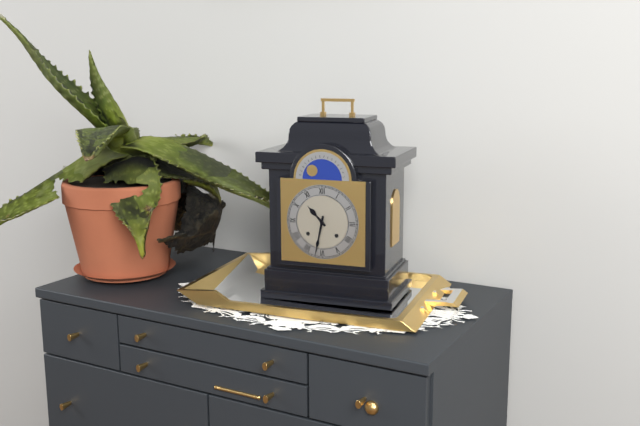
10h32
